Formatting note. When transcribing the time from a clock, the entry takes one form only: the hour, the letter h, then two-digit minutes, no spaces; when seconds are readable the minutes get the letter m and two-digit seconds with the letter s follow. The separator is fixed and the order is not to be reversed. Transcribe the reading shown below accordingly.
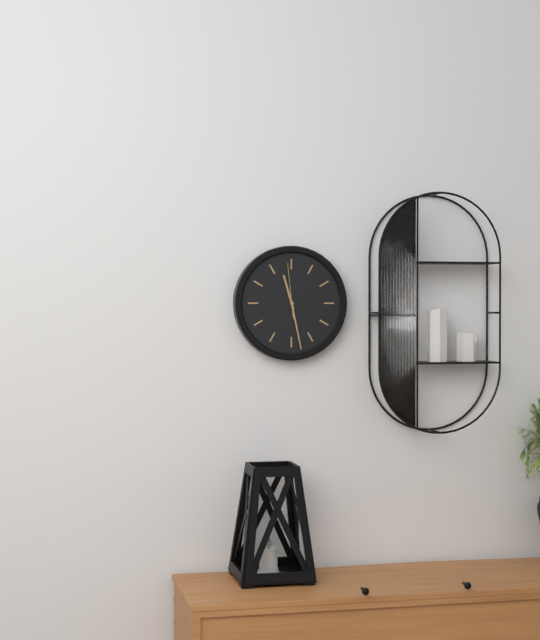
11h28m59s
